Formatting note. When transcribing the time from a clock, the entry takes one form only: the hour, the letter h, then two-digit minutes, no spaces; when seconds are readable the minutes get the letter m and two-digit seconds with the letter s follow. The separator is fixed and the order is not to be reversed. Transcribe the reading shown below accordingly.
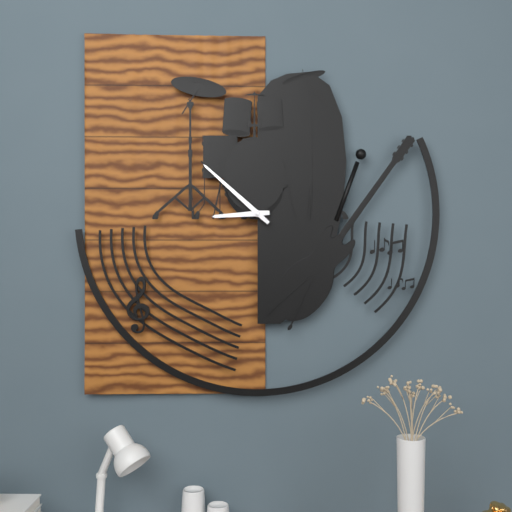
8h52
